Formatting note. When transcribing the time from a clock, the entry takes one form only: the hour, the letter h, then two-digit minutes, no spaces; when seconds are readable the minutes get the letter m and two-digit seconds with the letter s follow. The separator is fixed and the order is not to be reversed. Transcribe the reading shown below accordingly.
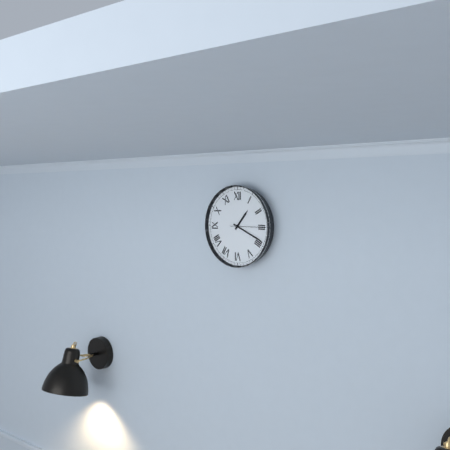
1h19
